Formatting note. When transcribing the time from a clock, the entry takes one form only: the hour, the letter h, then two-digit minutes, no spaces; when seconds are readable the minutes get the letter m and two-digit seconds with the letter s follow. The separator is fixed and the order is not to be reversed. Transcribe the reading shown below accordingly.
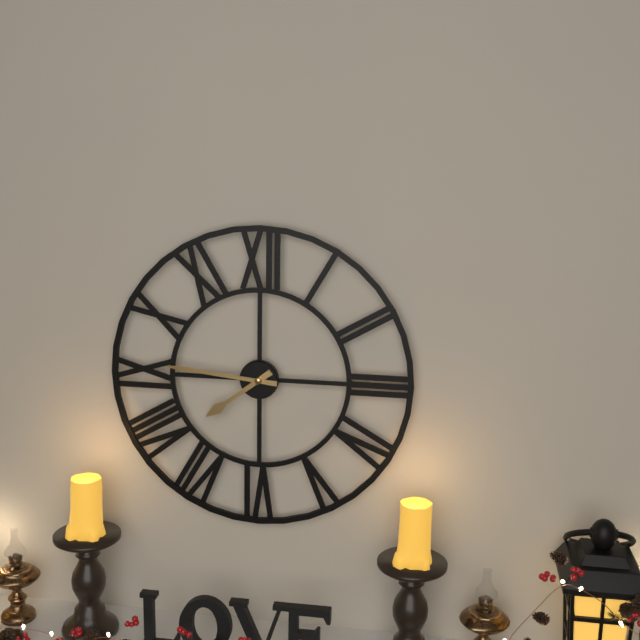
7h46
